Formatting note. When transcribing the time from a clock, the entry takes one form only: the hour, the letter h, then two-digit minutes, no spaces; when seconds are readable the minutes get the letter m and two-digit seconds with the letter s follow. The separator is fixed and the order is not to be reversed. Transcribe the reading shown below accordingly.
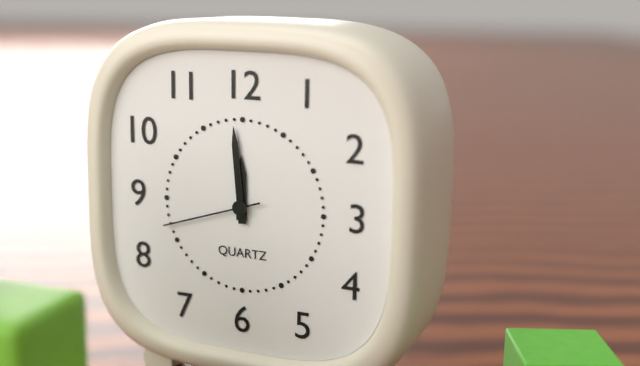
11h59m42s
